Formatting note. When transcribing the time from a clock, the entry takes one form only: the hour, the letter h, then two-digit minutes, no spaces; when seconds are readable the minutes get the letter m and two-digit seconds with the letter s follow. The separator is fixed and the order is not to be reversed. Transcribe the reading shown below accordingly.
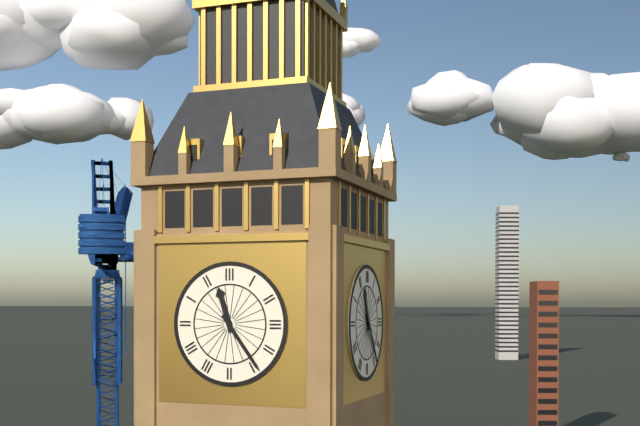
11h24
